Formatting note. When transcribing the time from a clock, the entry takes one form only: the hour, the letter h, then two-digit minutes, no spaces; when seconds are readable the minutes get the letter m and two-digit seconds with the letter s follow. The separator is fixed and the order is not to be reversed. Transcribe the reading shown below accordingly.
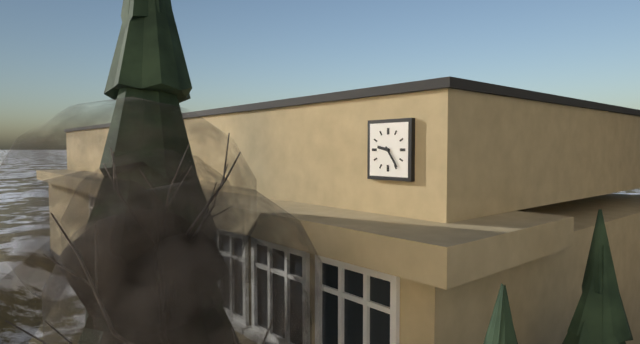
9h24
